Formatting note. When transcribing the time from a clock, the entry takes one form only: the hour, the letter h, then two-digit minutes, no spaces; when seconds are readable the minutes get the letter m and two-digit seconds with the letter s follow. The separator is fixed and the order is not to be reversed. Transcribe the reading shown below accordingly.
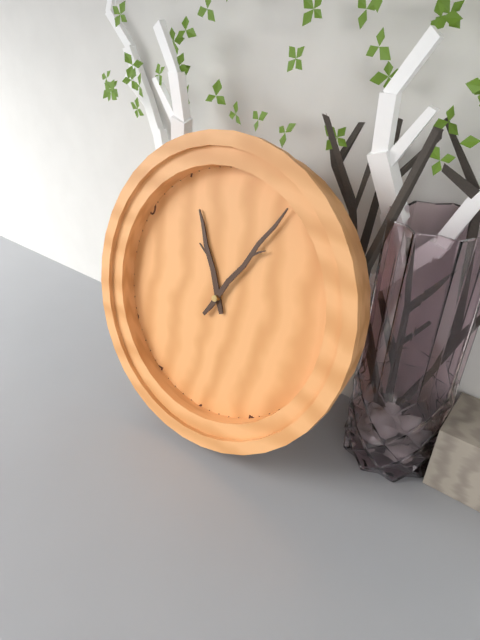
11h05
